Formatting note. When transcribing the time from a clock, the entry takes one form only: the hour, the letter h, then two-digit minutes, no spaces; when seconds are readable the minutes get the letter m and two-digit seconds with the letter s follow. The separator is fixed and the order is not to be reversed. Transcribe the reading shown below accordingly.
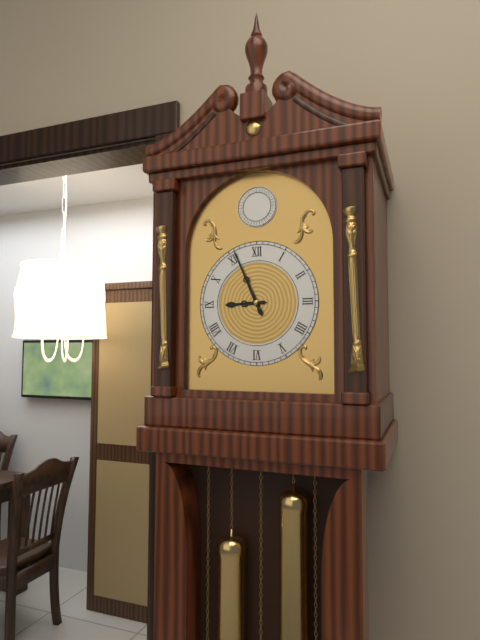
8h56
